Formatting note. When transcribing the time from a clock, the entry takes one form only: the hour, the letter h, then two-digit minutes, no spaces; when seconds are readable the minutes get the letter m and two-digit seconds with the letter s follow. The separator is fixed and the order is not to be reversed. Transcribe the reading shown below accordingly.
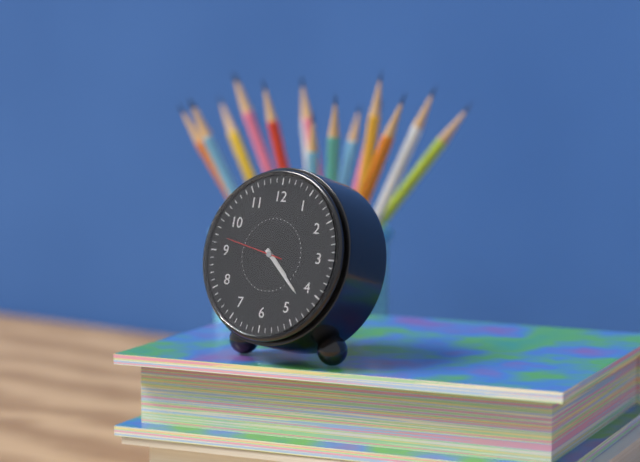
4h22m47s
